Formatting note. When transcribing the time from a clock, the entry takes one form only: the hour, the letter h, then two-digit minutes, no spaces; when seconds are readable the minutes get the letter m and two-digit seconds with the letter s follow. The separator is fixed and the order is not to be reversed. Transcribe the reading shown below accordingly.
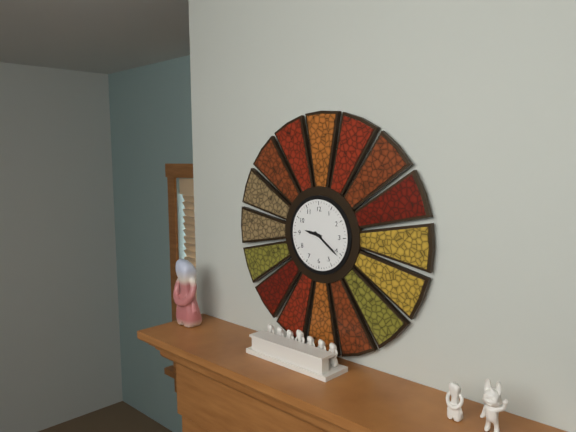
9h21
